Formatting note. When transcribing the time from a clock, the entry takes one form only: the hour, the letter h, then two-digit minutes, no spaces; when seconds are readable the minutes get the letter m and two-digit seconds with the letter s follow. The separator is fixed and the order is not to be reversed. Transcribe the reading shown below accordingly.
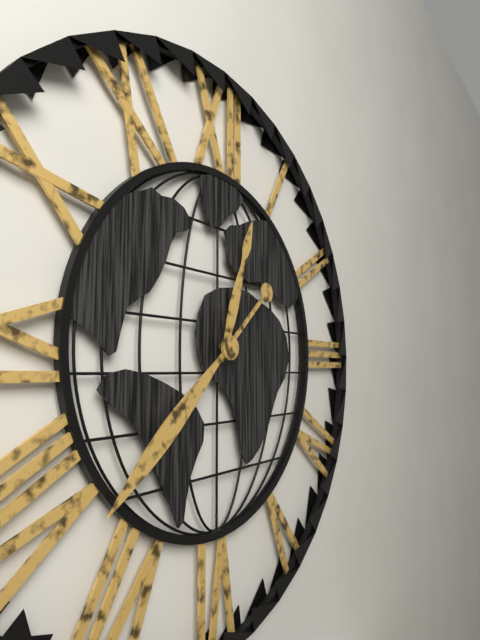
12h38
